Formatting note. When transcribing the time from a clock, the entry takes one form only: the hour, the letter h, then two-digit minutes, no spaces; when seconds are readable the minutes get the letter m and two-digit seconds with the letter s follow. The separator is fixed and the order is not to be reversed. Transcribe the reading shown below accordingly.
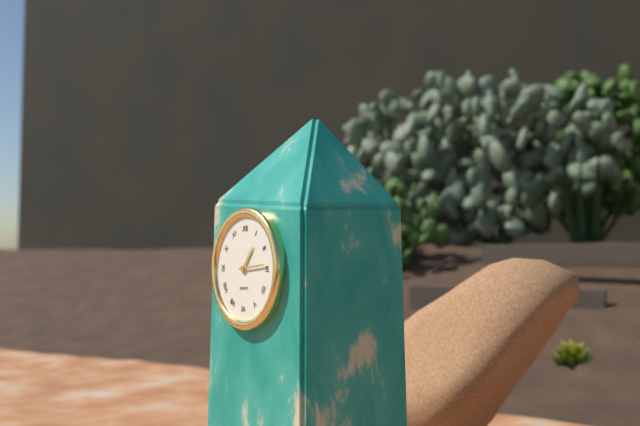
1h14
